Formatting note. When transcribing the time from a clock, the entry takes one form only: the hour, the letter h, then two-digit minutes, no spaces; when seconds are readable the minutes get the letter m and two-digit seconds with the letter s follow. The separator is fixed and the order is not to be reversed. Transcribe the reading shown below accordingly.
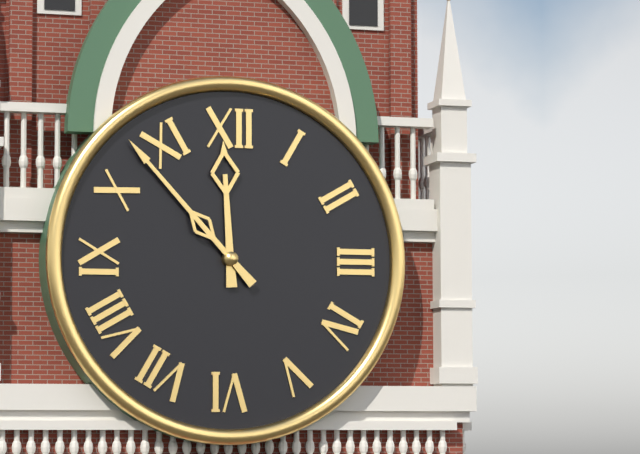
11h53
